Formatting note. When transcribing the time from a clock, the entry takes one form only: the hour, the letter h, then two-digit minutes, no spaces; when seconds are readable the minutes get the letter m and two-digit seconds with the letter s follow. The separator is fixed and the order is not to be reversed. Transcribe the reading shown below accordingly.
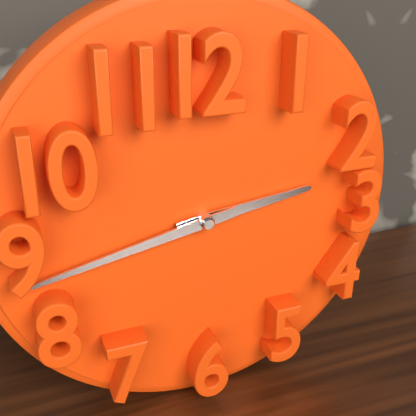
2h43
